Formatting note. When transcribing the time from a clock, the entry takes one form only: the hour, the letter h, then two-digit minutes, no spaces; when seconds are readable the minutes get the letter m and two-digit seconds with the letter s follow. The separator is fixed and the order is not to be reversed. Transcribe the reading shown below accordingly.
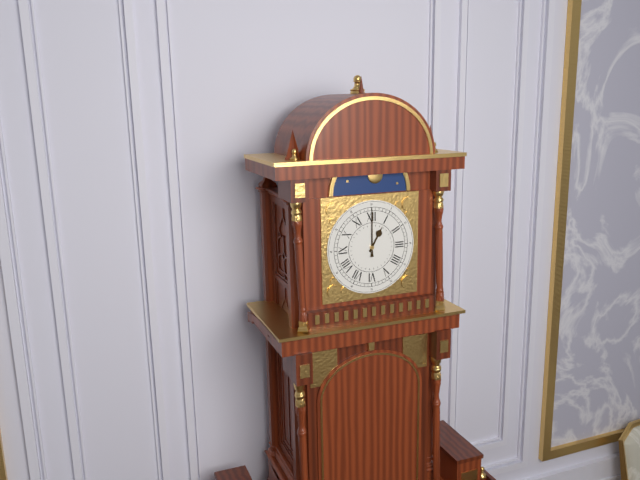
1h00
